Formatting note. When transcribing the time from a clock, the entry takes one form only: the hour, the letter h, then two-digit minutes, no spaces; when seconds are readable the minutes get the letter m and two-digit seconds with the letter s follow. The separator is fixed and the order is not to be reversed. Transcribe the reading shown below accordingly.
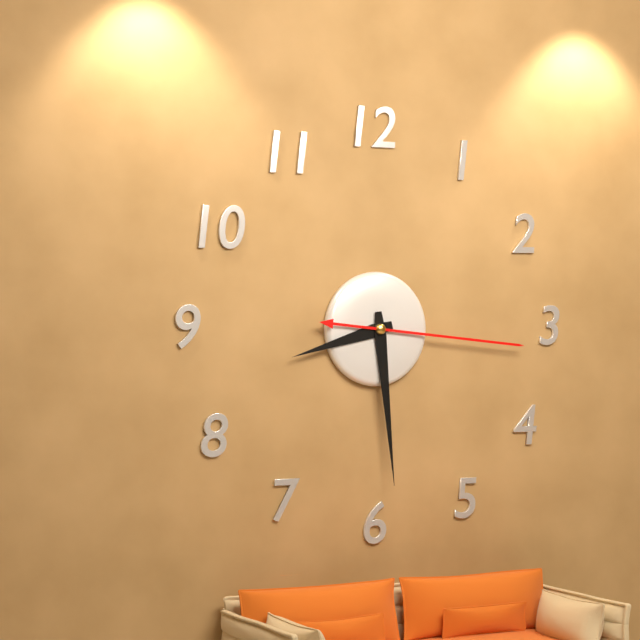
8h29m16s
